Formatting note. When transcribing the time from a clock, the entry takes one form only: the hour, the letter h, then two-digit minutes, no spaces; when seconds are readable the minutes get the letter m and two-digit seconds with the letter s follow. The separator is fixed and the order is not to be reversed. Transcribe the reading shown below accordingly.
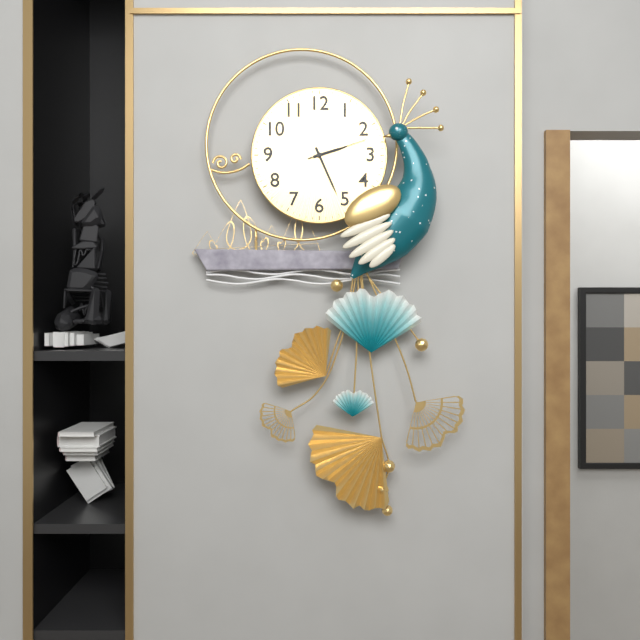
2h26m12s
